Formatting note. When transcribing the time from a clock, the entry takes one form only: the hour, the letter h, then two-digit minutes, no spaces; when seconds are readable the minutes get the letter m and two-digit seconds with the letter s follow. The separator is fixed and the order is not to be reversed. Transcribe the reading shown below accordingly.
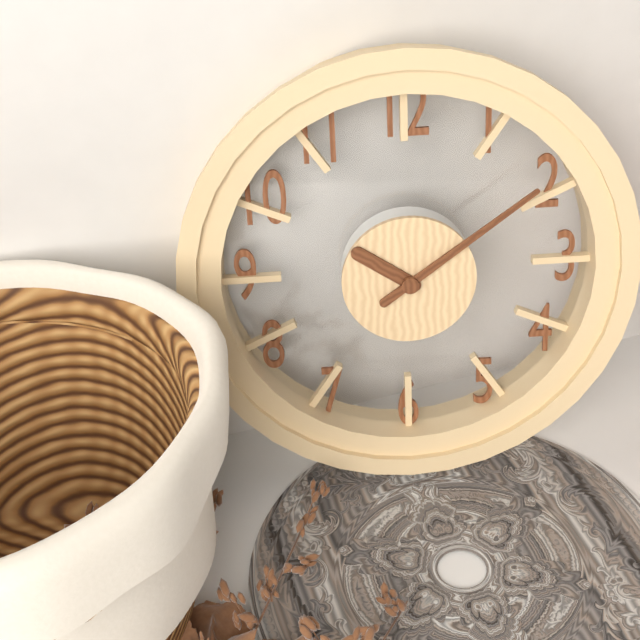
10h09
